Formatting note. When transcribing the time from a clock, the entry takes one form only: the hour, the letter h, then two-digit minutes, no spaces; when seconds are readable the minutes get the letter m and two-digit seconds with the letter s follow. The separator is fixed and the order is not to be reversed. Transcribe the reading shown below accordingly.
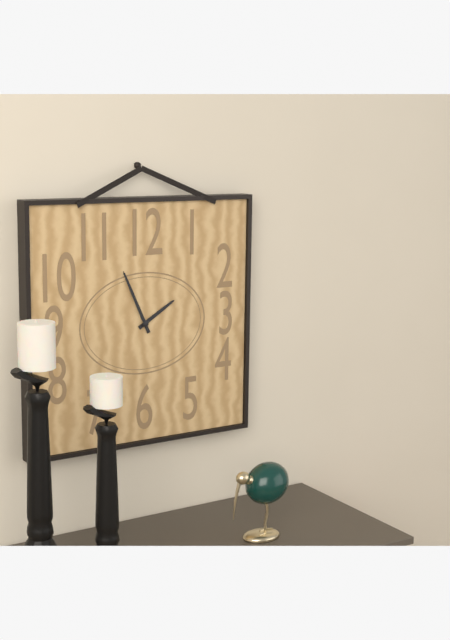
1h56
